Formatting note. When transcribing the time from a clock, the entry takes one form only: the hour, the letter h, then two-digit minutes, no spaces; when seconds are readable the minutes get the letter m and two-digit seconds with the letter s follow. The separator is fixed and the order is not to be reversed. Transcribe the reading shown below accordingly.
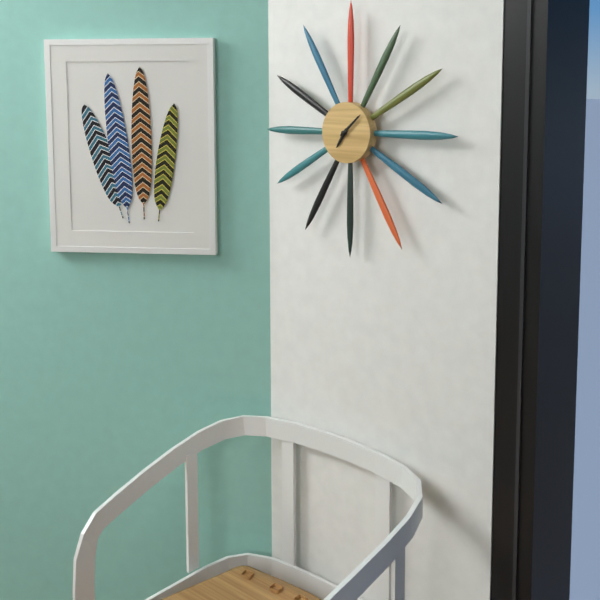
7h08
